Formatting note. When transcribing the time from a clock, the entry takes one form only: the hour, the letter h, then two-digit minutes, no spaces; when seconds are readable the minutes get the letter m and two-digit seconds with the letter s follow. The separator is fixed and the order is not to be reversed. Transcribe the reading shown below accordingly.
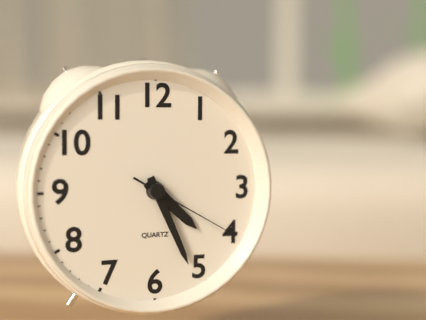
4h26m20s
